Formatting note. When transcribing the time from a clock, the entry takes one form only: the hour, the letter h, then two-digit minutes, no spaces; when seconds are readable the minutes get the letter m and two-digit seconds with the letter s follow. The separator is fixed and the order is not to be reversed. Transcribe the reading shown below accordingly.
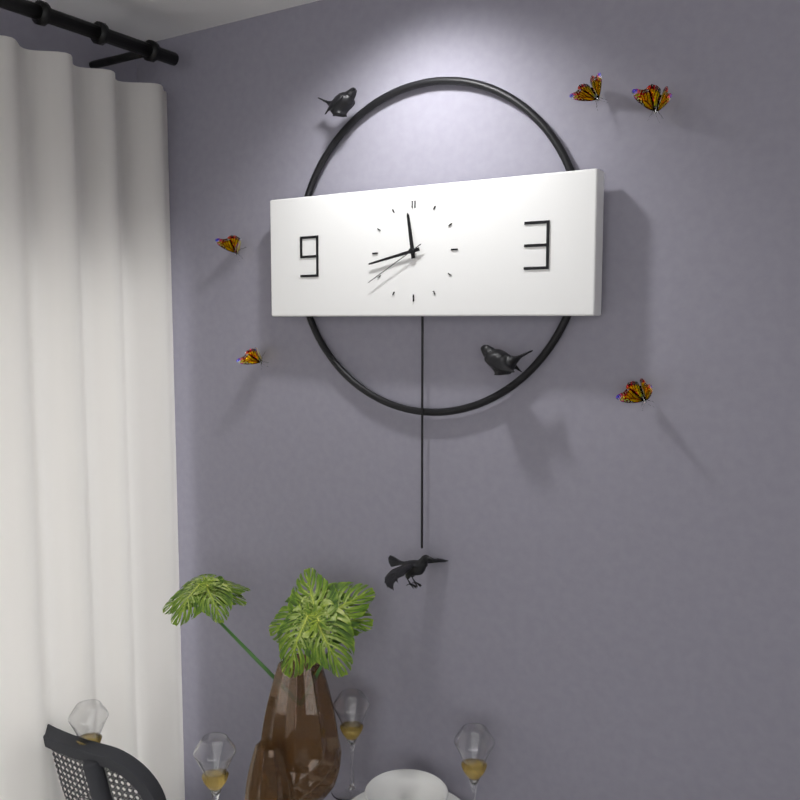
11h43m40s
